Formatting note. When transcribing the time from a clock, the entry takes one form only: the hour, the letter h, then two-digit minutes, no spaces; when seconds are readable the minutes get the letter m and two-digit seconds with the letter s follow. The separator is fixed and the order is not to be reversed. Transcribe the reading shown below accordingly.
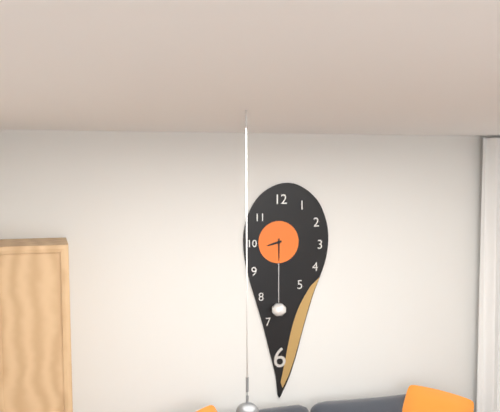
8h30
